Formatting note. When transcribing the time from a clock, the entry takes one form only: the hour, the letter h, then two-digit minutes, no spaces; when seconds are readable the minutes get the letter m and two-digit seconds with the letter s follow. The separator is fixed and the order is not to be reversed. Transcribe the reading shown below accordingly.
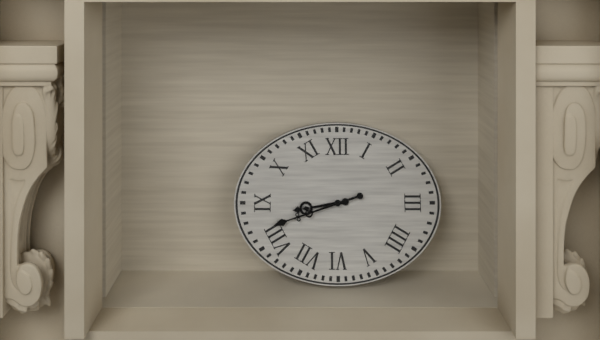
8h42
